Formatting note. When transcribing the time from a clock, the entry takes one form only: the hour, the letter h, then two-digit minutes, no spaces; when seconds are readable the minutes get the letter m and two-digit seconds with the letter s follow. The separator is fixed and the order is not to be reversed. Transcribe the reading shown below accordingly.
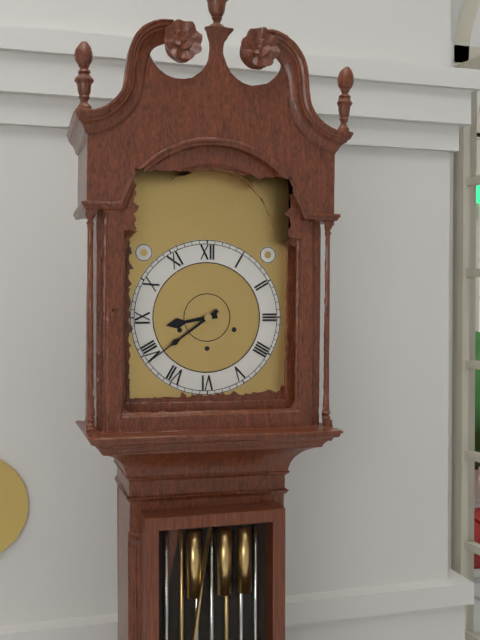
8h39
